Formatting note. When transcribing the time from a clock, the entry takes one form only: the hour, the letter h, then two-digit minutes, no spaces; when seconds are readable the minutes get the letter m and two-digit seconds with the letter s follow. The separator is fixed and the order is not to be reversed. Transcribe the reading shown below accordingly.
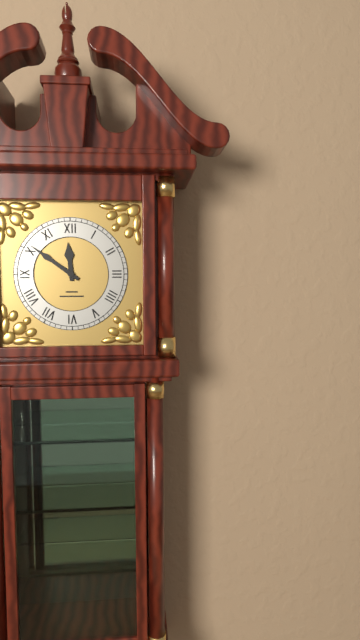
11h51
